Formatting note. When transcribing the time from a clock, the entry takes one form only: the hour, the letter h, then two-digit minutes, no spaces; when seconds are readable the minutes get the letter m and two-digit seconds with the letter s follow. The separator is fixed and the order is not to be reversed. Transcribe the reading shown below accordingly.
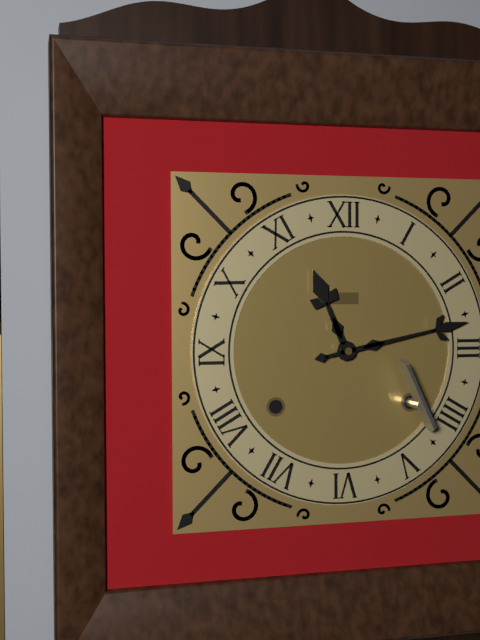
11h13
